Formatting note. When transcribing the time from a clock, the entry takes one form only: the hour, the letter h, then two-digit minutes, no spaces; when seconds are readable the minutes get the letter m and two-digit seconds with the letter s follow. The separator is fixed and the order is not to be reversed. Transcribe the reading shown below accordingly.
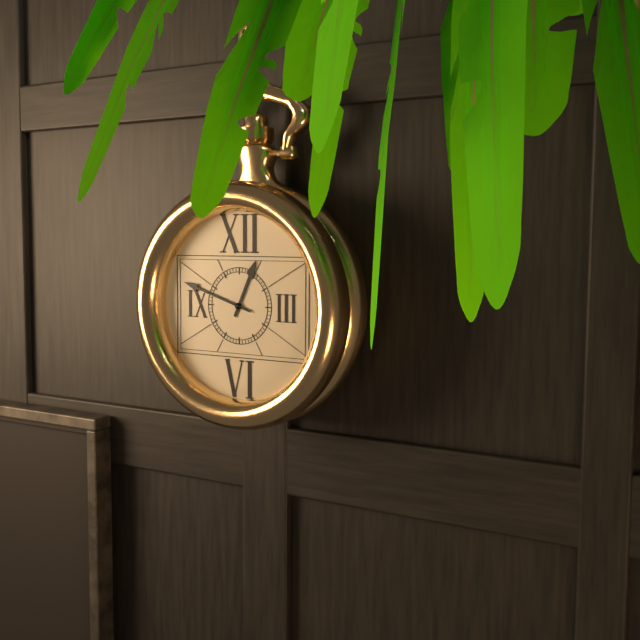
12h48
